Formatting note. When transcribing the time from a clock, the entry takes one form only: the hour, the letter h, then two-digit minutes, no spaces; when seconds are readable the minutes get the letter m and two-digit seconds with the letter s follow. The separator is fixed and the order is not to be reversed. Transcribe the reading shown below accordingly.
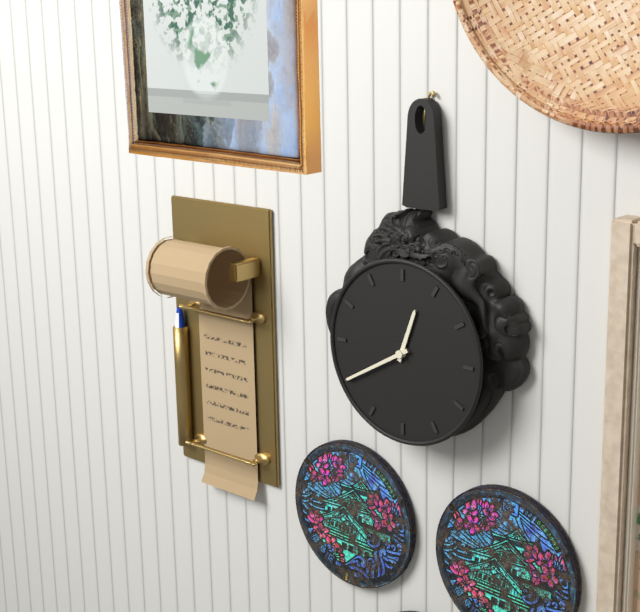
12h40
